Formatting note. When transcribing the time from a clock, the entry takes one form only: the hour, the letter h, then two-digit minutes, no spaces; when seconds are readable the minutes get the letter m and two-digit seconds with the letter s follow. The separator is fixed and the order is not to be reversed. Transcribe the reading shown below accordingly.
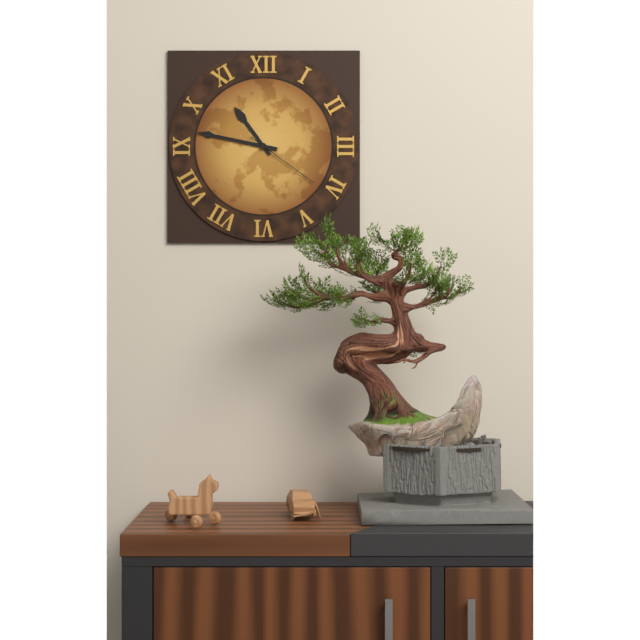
10h47m21s
